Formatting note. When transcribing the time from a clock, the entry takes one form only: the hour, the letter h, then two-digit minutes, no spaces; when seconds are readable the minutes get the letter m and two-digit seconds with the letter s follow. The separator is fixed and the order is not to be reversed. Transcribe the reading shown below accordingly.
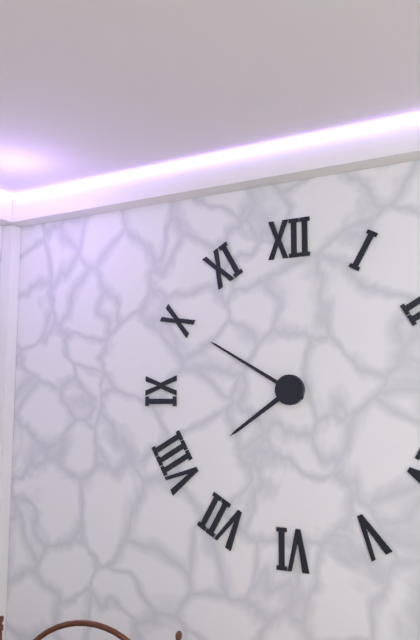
7h50
